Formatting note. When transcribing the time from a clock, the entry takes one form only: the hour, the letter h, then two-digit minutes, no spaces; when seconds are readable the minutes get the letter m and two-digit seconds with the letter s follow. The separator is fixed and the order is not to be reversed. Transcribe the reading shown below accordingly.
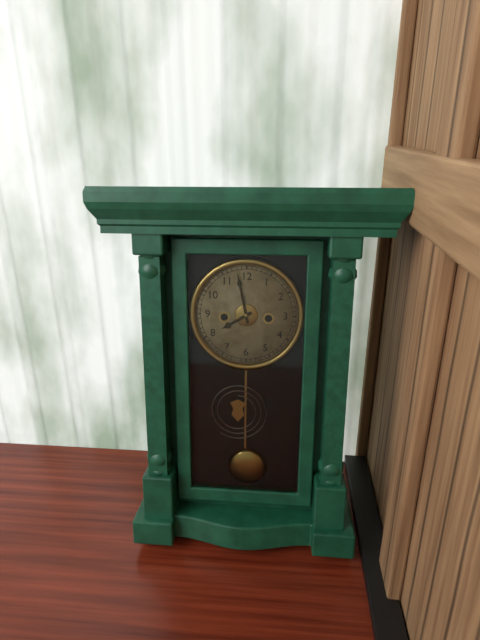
7h58
